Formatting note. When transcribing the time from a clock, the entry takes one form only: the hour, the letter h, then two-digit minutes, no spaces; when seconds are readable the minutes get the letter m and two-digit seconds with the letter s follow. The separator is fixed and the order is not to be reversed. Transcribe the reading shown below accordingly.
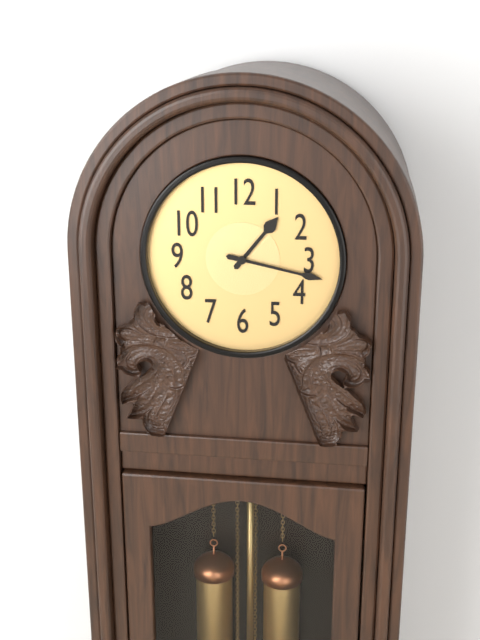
1h17
